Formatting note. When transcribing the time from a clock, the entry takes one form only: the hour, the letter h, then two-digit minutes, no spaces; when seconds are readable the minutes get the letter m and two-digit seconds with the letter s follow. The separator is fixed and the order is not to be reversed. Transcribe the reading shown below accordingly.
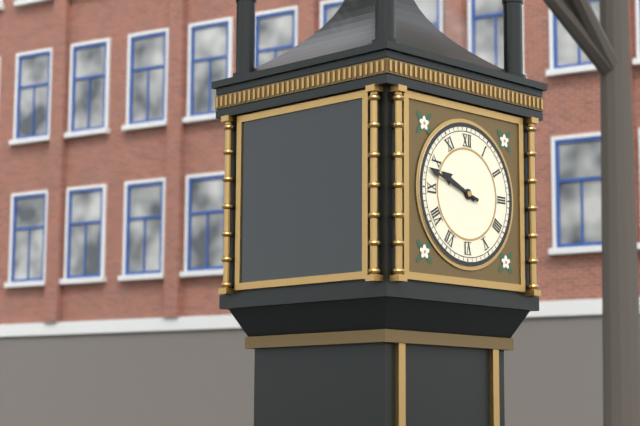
9h48
